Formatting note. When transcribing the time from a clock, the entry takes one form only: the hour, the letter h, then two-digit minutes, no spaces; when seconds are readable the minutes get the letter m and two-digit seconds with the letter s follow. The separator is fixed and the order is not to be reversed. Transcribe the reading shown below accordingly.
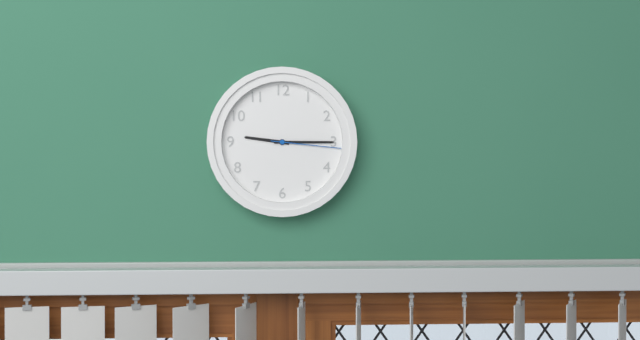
9h15m16s
